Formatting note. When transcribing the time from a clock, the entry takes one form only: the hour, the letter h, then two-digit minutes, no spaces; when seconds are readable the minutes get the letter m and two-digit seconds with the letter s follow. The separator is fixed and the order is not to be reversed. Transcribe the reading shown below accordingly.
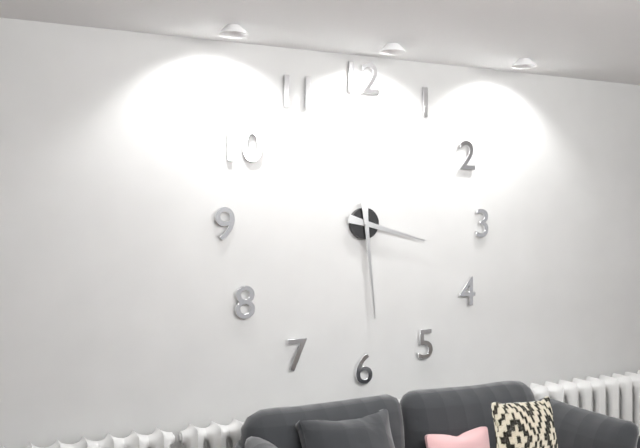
3h29
